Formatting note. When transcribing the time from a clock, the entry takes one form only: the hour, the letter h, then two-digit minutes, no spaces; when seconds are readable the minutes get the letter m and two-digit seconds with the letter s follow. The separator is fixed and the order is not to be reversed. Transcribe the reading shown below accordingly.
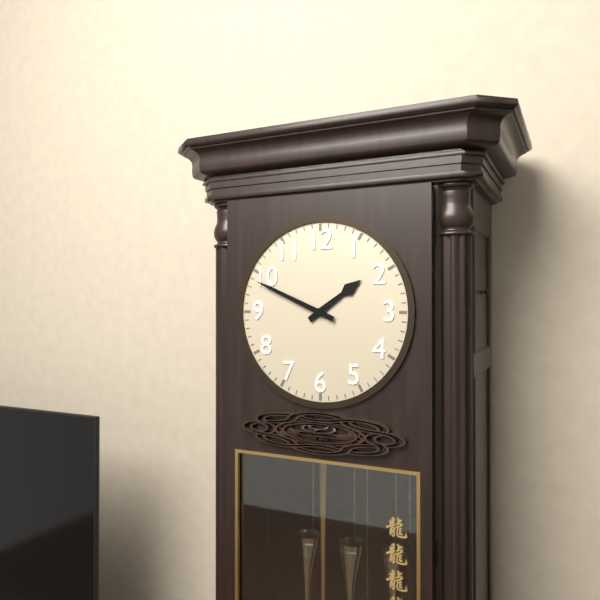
1h49
